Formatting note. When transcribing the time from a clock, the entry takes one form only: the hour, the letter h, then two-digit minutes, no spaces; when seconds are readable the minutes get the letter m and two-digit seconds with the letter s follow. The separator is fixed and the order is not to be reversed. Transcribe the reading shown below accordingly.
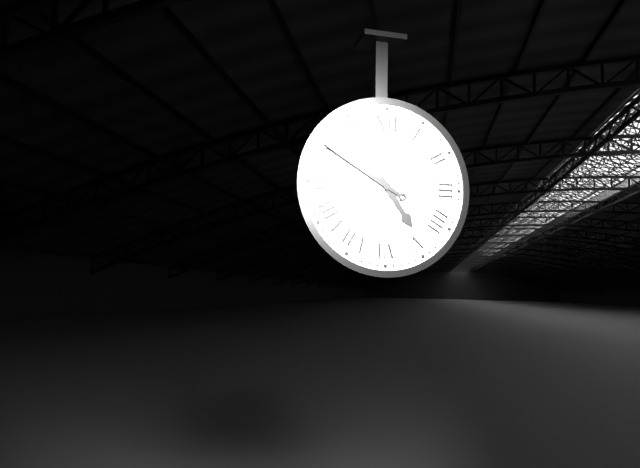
4h50
